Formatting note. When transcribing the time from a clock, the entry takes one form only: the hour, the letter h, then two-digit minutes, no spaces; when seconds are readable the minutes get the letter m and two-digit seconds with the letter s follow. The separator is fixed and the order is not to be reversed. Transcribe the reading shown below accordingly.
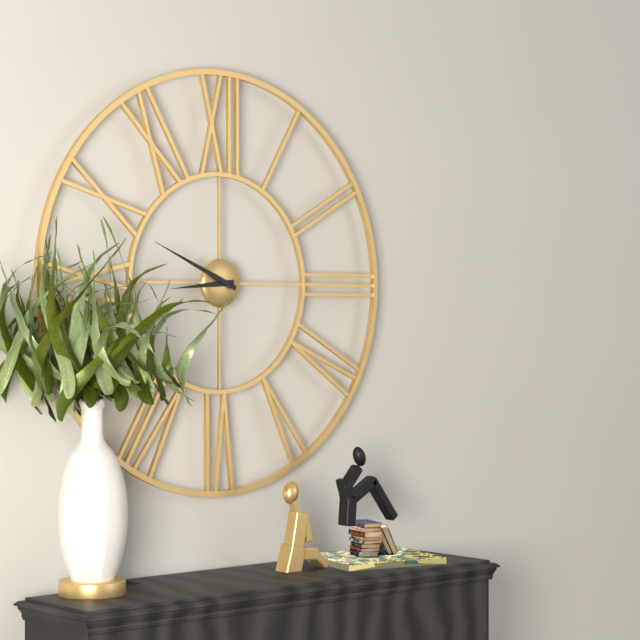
8h49
